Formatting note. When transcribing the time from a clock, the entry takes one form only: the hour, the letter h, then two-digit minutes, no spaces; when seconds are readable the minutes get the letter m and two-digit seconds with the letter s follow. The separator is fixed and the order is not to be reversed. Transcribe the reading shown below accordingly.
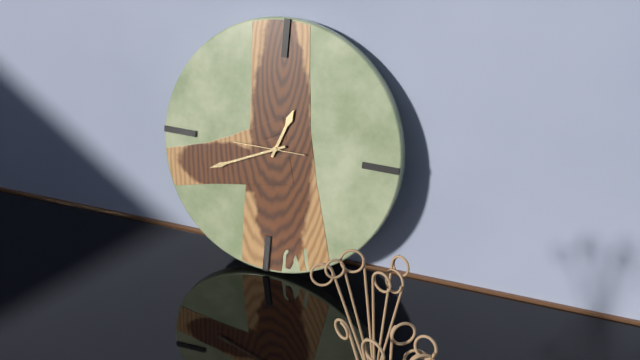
12h41m45s
